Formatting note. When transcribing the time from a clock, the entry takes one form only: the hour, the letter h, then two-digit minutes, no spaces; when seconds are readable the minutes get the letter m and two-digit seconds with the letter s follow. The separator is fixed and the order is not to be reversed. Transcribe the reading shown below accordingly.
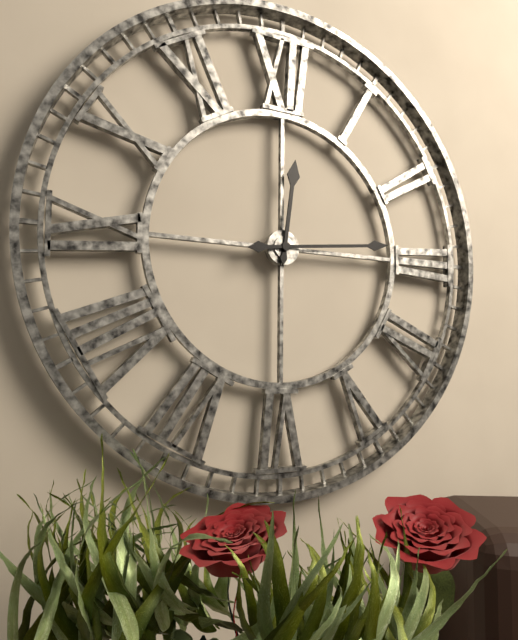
12h14
